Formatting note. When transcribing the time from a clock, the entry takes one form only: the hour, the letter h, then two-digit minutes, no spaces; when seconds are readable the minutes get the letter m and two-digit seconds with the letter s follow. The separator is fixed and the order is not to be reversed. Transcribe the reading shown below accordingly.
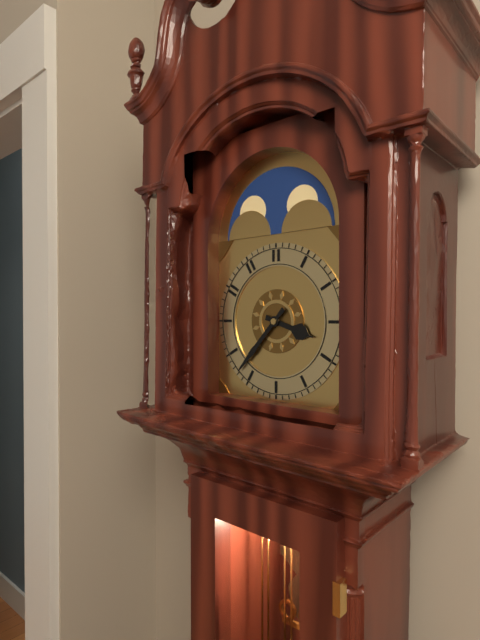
3h37
